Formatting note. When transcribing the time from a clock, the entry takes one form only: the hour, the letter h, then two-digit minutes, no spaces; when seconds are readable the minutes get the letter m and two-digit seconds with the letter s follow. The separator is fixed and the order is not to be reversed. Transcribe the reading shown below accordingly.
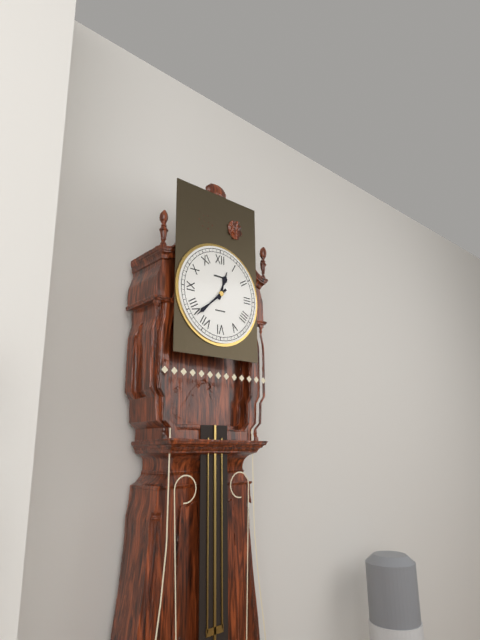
12h38
